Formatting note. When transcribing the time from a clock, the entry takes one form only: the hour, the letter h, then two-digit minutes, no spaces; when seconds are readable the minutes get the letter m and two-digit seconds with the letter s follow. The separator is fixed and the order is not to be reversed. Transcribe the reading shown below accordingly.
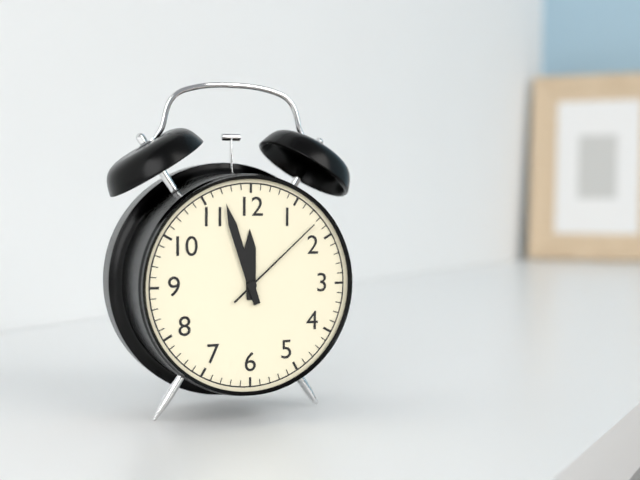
11h57m08s
